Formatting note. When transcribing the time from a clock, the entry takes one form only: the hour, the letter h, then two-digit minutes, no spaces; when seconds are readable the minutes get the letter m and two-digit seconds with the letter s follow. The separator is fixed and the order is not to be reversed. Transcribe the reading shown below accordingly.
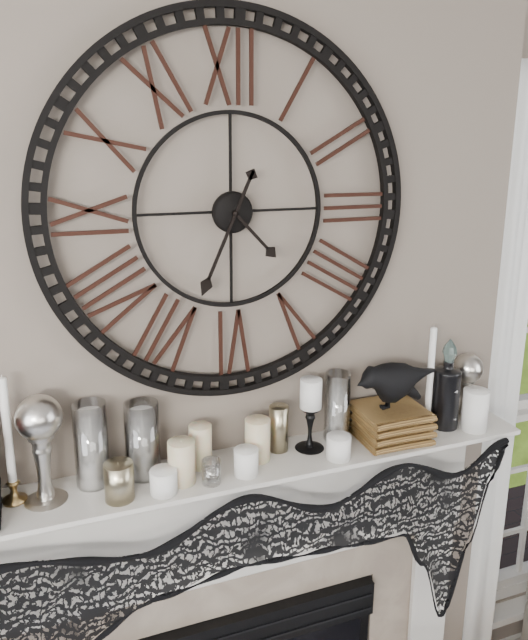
4h34
